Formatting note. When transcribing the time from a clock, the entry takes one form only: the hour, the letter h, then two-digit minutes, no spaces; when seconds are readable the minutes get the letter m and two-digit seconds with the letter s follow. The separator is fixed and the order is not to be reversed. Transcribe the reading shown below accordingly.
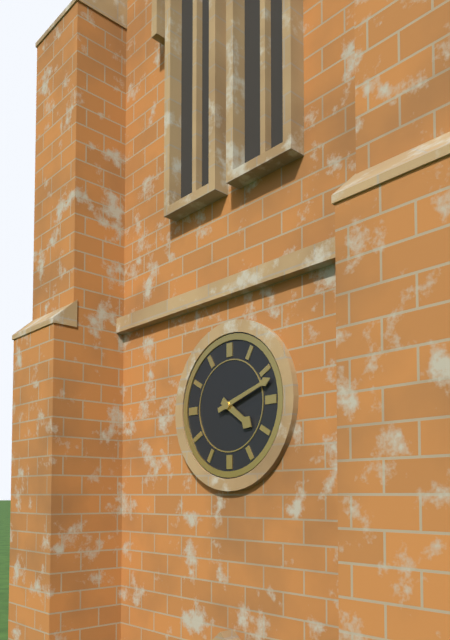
4h12
